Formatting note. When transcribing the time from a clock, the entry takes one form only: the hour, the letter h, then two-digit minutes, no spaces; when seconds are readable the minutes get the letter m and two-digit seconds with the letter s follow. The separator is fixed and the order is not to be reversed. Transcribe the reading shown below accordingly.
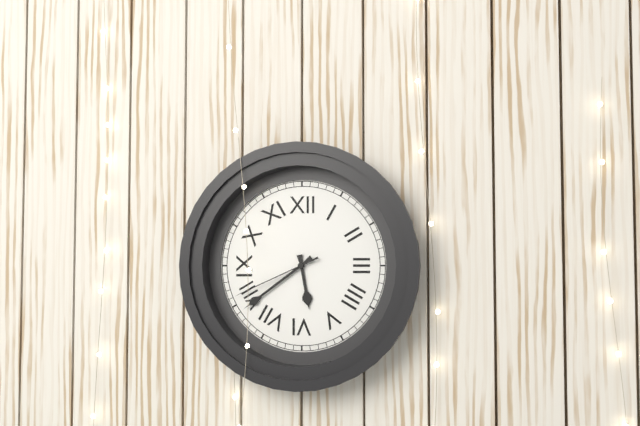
5h39m41s
